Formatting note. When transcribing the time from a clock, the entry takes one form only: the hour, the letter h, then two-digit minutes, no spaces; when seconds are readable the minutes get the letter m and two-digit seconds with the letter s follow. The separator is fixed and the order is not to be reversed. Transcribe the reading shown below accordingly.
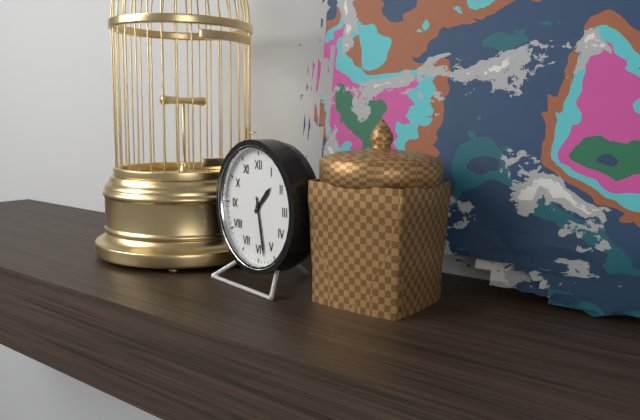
1h28
